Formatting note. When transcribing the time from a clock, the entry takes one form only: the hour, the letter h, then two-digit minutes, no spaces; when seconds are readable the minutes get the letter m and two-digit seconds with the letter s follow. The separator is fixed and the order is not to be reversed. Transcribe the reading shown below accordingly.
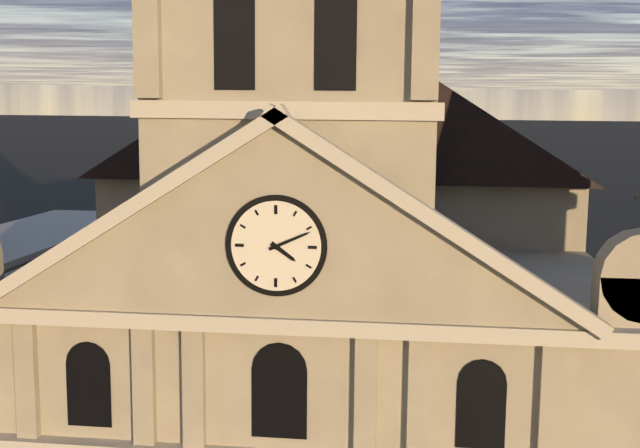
4h11
